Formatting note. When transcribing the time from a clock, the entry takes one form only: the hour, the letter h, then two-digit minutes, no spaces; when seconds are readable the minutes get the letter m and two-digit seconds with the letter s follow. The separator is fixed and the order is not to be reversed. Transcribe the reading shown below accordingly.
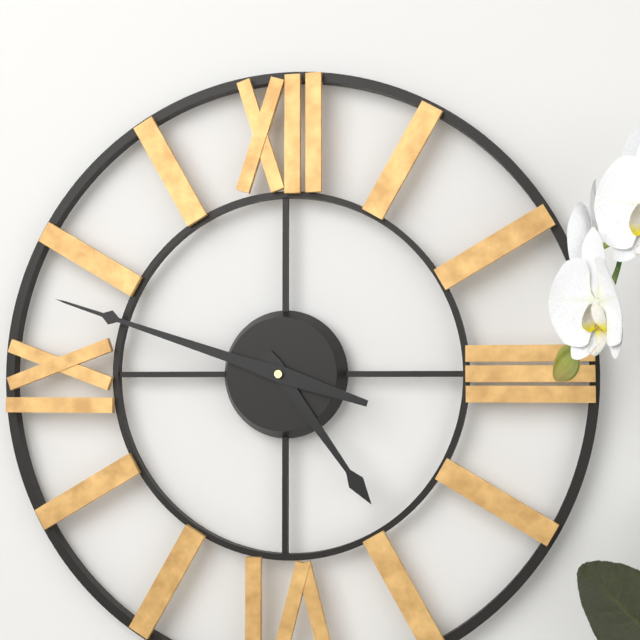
4h48
